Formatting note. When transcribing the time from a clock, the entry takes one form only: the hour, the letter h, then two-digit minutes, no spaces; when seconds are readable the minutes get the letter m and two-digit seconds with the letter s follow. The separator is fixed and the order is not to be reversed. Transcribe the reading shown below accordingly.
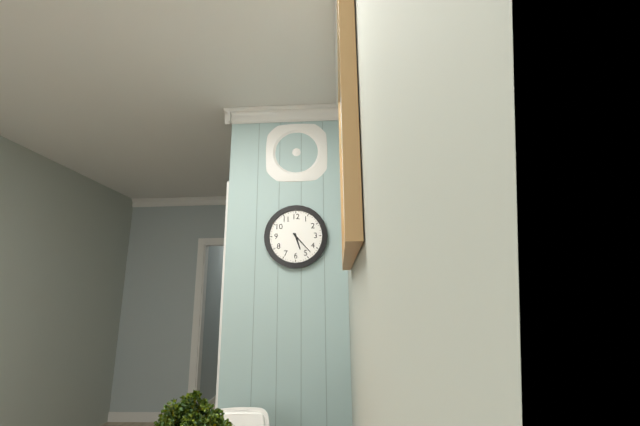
5h23
